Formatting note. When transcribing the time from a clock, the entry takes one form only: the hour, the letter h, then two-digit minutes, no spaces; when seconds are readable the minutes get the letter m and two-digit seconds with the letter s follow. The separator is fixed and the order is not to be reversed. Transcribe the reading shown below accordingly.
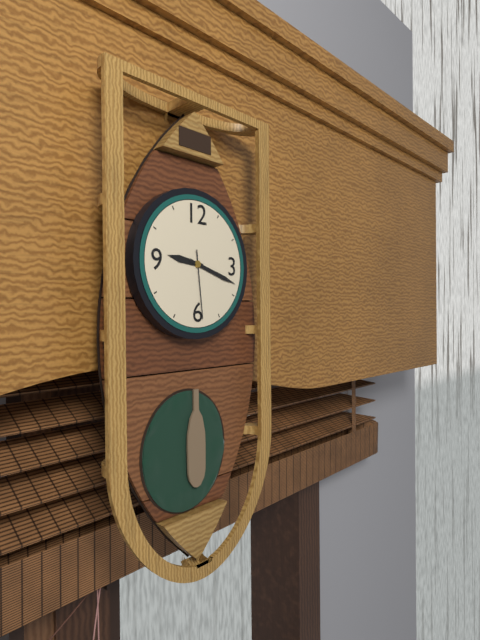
9h18m29s
